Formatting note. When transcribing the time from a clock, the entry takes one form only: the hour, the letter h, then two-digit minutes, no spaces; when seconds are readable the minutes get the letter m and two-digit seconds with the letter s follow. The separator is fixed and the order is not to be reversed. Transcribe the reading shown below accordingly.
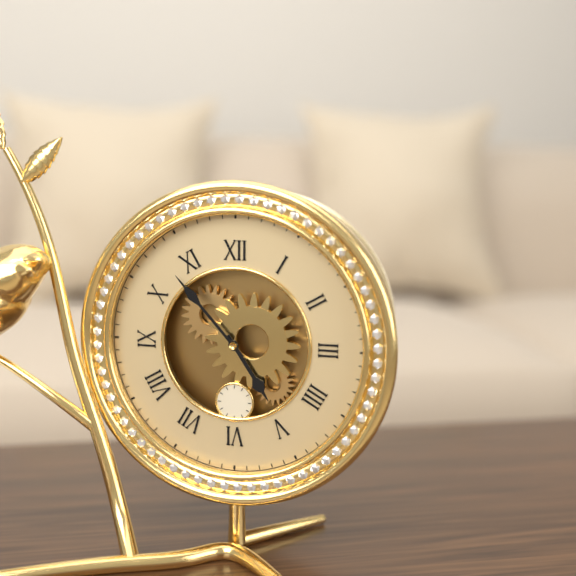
4h53
